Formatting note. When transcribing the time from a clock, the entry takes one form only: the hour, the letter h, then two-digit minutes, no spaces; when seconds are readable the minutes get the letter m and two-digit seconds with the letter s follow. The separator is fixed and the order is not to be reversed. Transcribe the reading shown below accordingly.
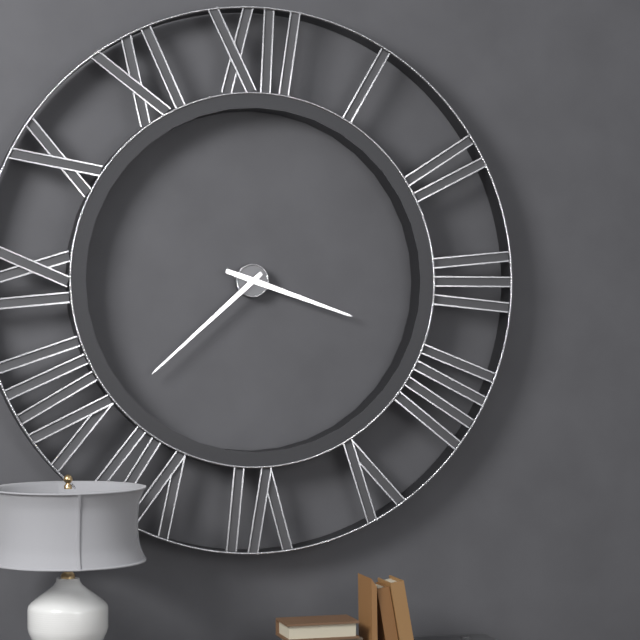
3h38
